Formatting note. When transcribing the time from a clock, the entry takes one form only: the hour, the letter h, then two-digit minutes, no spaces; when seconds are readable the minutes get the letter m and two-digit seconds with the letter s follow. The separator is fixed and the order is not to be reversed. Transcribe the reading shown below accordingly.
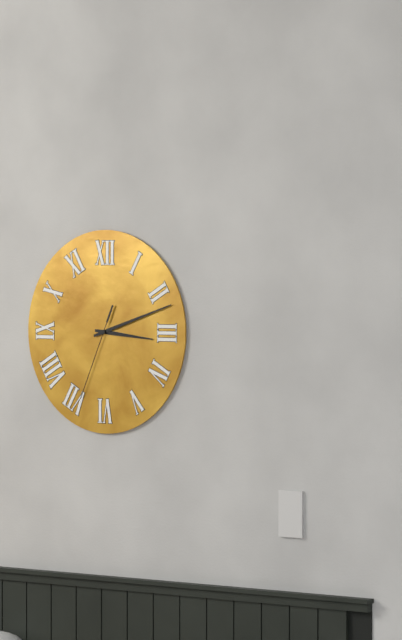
3h12m34s
